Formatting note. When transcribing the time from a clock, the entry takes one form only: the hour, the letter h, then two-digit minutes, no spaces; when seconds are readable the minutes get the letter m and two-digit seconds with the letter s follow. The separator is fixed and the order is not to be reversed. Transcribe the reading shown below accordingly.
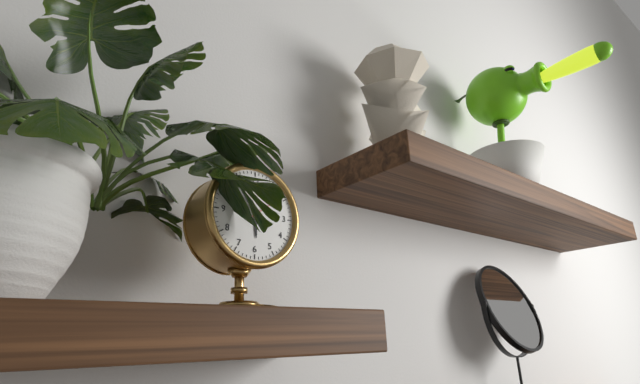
5h54
